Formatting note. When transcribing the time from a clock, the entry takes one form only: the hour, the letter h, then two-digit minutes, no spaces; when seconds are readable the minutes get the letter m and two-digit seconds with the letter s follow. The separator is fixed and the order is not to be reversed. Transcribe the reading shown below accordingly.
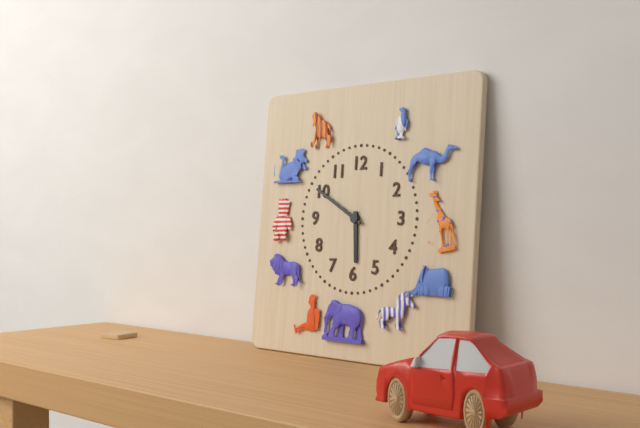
5h50
